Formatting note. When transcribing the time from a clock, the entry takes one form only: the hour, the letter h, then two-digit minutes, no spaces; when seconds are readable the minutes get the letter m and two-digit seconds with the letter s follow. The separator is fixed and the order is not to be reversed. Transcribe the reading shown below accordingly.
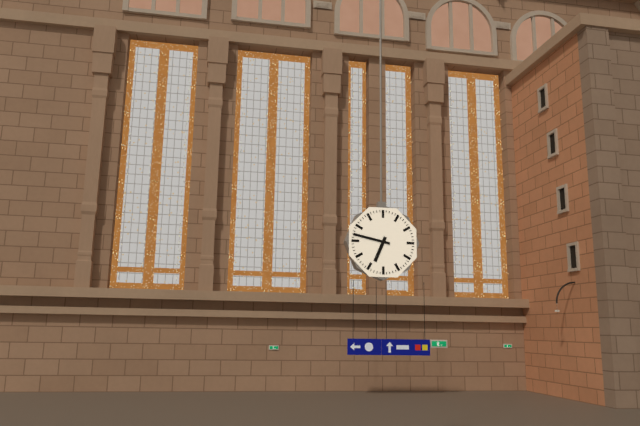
6h47
